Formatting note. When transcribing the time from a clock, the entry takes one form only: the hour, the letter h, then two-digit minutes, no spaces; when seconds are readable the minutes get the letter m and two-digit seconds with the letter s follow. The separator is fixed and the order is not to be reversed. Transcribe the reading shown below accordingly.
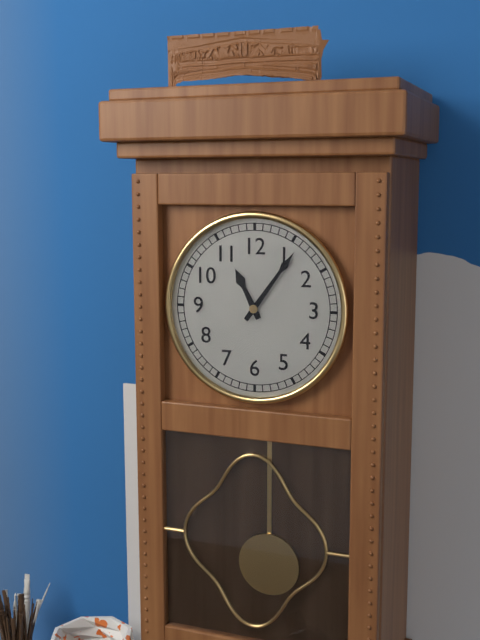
11h06
